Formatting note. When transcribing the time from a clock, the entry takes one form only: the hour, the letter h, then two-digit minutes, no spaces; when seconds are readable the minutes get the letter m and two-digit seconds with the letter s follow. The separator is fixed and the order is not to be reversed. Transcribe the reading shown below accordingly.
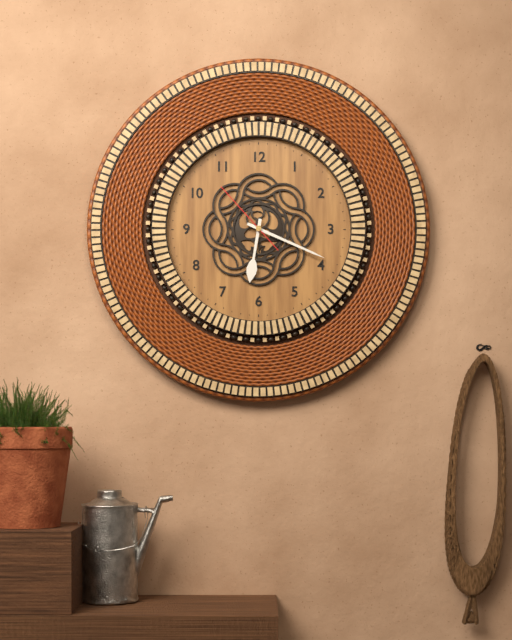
6h19m53s
